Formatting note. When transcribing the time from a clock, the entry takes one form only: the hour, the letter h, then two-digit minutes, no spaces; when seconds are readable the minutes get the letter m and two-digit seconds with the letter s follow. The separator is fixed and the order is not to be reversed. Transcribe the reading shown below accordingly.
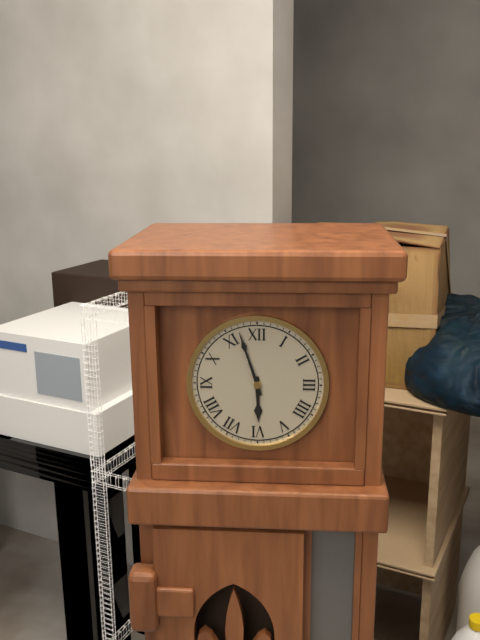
5h57
